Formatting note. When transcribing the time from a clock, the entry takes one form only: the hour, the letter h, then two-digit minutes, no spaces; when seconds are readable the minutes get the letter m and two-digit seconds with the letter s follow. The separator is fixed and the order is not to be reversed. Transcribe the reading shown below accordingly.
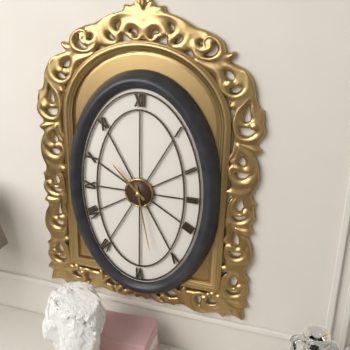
10h28
